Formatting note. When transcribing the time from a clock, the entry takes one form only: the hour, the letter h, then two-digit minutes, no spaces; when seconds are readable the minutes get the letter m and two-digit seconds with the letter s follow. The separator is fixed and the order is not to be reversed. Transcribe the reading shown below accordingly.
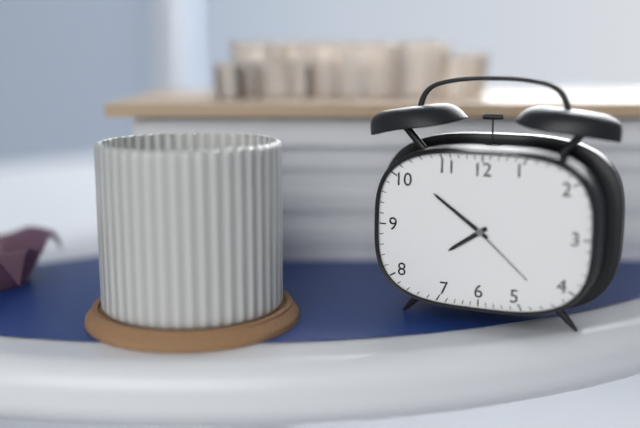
7h51m22s
